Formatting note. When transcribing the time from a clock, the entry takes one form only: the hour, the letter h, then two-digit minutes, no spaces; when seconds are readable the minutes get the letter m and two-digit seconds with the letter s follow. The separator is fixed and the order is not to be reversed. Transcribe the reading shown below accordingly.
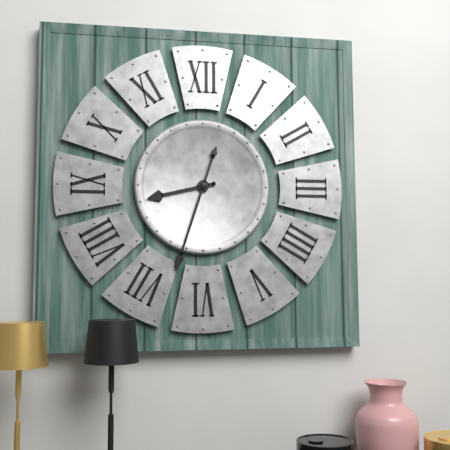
8h33
